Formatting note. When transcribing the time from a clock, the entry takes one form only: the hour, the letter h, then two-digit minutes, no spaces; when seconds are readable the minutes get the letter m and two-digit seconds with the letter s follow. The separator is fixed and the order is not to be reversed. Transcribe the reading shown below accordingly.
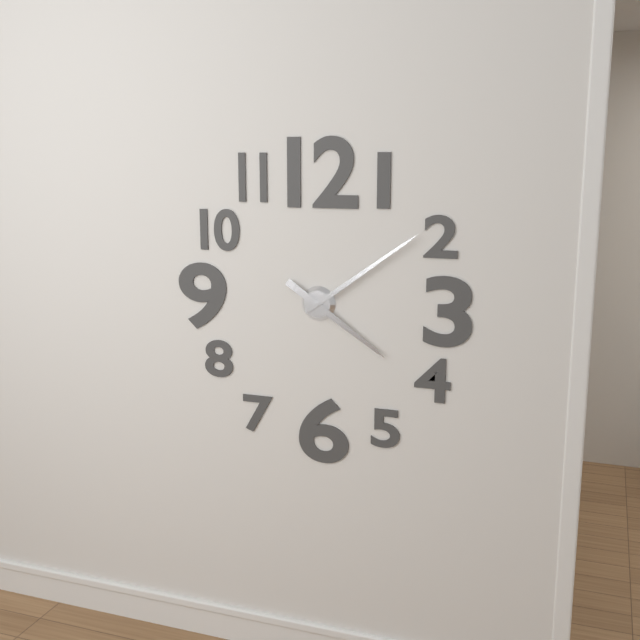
4h09
